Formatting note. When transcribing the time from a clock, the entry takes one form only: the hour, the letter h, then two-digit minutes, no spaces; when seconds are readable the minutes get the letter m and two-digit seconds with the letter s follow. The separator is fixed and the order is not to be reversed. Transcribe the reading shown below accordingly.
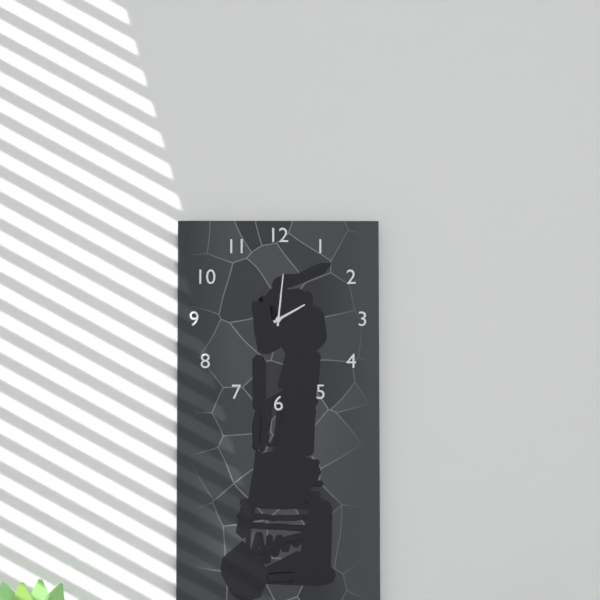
2h01
